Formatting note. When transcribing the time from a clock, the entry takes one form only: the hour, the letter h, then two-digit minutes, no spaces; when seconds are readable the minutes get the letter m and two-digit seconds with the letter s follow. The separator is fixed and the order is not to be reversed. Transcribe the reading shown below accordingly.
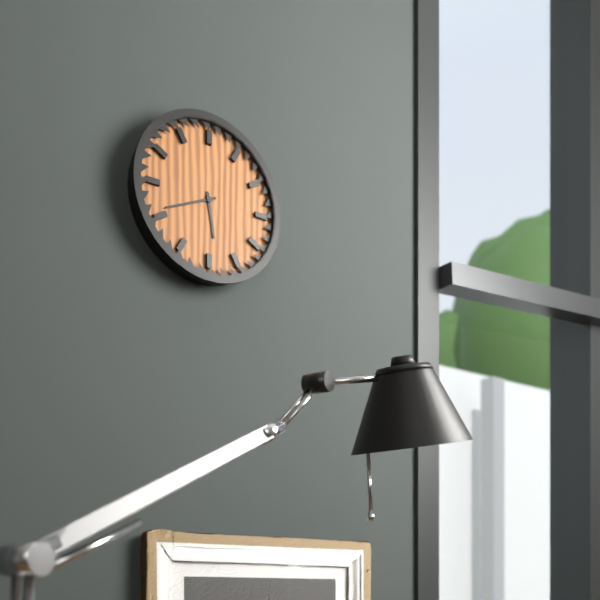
5h41
